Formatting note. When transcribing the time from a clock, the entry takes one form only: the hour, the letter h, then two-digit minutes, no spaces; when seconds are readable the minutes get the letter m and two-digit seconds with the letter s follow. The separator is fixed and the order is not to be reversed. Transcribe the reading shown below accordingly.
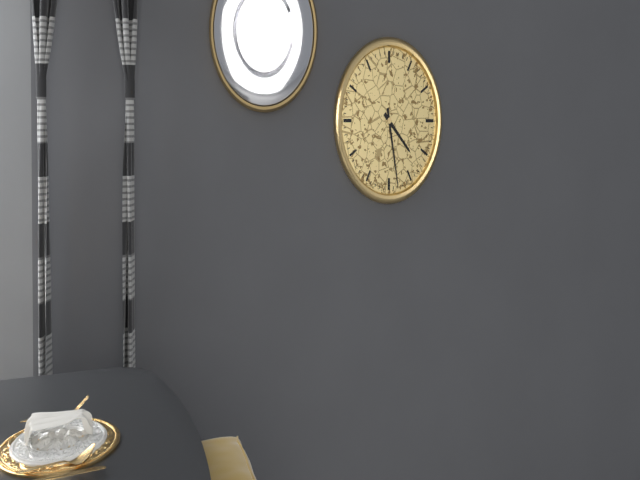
4h28
